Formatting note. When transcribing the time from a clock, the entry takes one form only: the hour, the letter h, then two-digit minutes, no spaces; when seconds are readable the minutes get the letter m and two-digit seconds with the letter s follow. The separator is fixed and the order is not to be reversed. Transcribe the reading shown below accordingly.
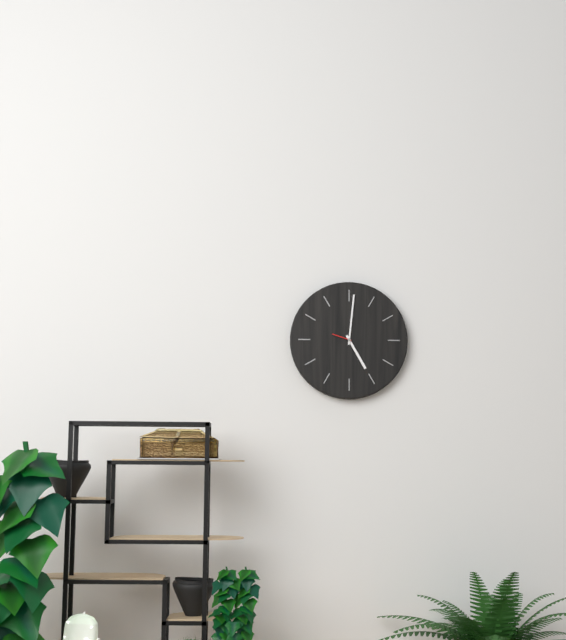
5h01
